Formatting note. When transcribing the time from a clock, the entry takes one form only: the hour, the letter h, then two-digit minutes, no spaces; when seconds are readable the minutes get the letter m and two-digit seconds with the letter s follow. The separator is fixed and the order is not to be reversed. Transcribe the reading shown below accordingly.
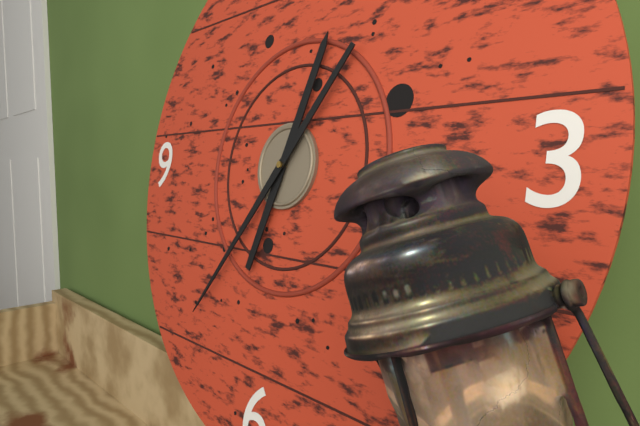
12h36
